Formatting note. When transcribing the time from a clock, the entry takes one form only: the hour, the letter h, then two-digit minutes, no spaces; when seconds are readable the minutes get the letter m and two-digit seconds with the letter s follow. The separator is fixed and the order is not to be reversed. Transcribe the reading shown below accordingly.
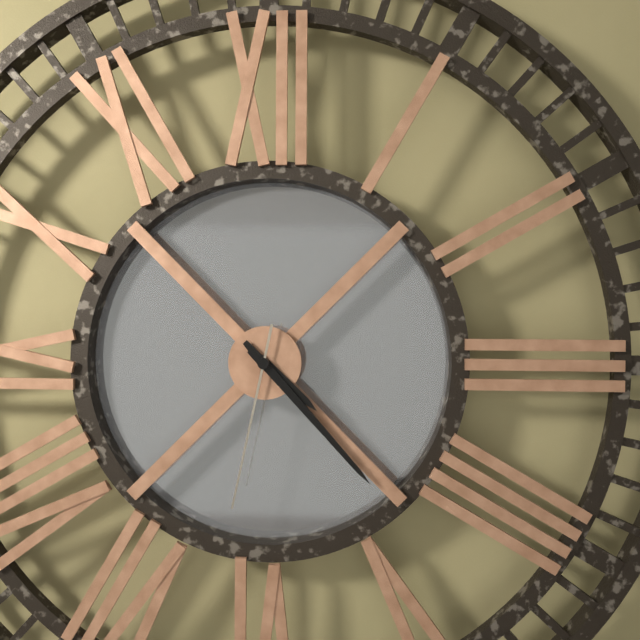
4h23m32s
